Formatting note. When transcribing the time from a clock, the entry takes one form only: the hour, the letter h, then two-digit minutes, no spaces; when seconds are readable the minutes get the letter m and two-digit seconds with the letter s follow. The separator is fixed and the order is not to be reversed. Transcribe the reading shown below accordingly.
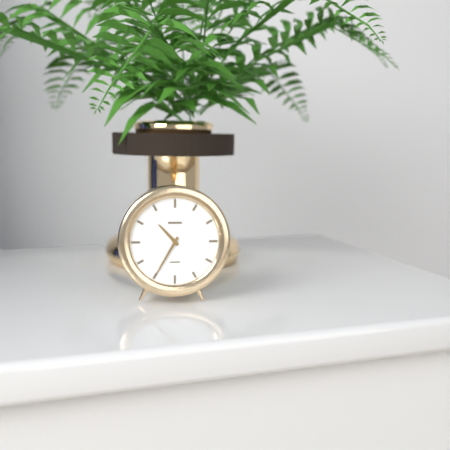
10h35
